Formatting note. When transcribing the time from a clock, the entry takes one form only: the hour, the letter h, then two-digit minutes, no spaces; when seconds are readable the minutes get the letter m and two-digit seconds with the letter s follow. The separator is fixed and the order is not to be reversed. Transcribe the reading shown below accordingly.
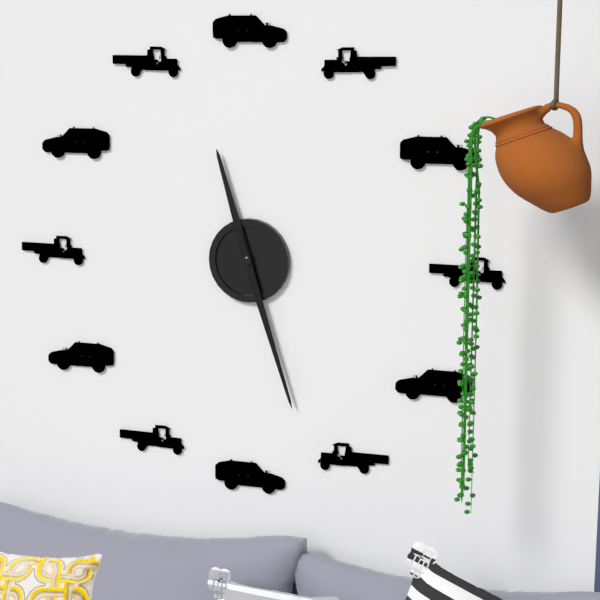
11h27
